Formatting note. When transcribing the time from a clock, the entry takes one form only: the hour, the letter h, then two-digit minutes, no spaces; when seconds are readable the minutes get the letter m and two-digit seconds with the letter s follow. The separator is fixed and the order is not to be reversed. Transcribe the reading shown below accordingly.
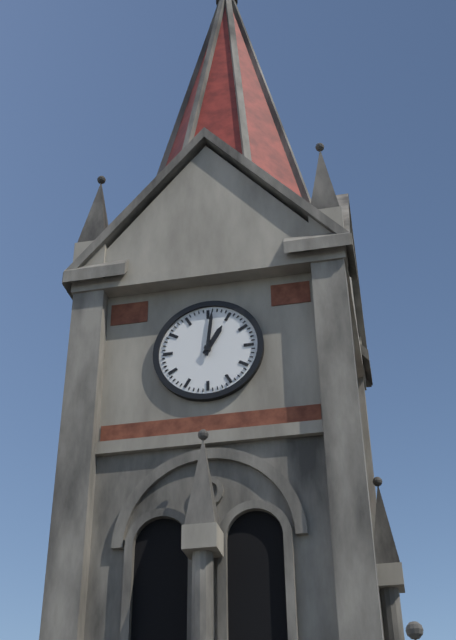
1h01
